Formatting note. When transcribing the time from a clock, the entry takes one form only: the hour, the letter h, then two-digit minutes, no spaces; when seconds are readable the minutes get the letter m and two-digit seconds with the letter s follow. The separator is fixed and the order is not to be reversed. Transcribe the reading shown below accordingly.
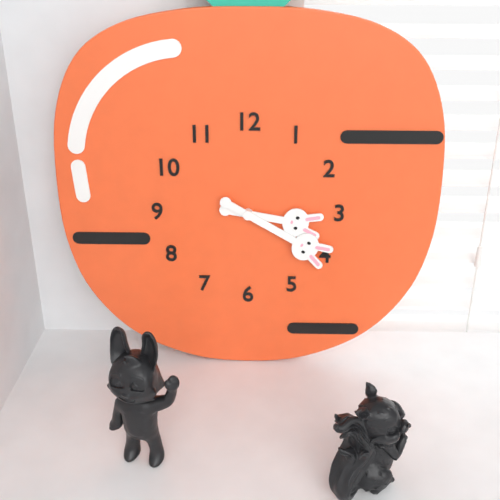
3h20
